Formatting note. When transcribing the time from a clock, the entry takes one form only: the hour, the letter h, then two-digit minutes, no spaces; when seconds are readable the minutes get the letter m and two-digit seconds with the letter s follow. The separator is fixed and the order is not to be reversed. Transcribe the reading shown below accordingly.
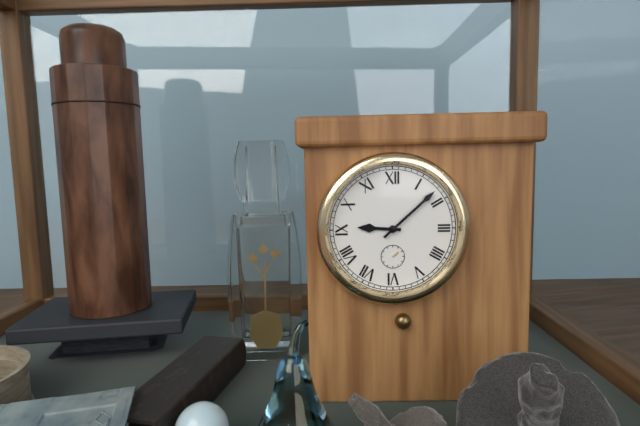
9h08
